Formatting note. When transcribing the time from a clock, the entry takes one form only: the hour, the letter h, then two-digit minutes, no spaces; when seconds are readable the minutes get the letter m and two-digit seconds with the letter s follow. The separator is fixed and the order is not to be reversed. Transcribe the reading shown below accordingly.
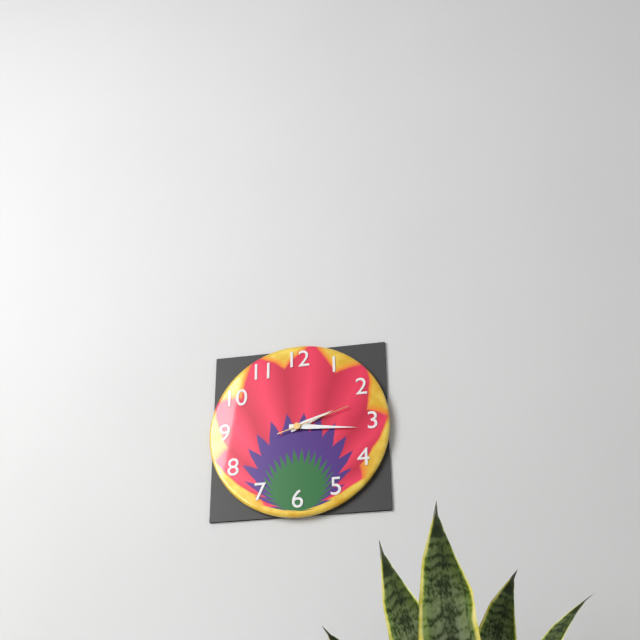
2h16m12s
